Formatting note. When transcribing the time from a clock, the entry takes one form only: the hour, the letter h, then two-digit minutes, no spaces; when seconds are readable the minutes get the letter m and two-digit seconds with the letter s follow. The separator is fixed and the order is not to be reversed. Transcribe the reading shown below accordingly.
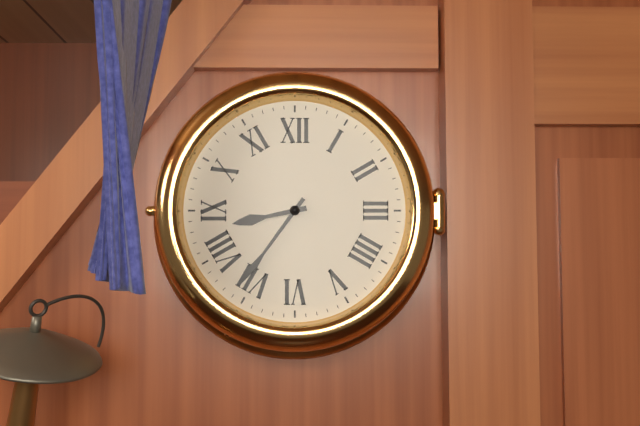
8h36
